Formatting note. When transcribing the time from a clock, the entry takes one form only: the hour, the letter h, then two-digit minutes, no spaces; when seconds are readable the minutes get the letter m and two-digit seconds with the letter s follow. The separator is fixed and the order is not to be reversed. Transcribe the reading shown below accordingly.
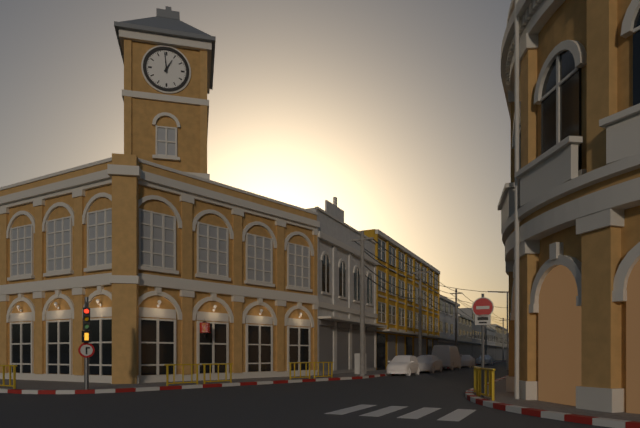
12h59
